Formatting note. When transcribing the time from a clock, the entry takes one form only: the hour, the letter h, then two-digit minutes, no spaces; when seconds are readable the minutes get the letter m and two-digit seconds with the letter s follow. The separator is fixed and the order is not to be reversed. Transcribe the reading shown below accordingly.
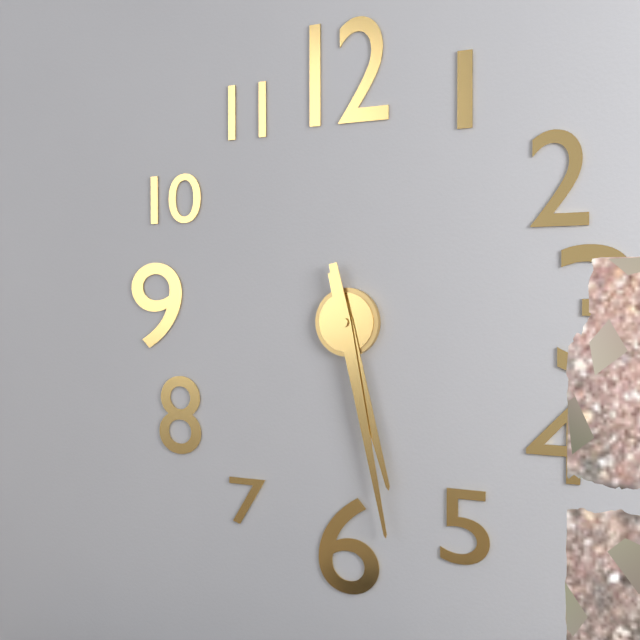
5h28
